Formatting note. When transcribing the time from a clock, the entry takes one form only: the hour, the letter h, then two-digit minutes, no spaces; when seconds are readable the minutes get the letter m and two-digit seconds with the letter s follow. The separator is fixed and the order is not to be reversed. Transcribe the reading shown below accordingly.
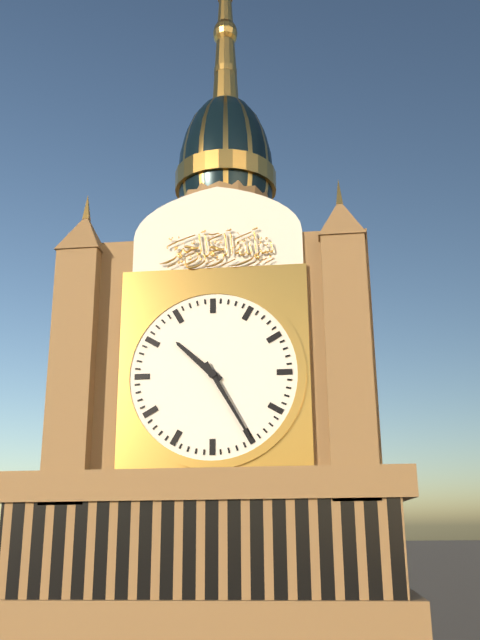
10h25
